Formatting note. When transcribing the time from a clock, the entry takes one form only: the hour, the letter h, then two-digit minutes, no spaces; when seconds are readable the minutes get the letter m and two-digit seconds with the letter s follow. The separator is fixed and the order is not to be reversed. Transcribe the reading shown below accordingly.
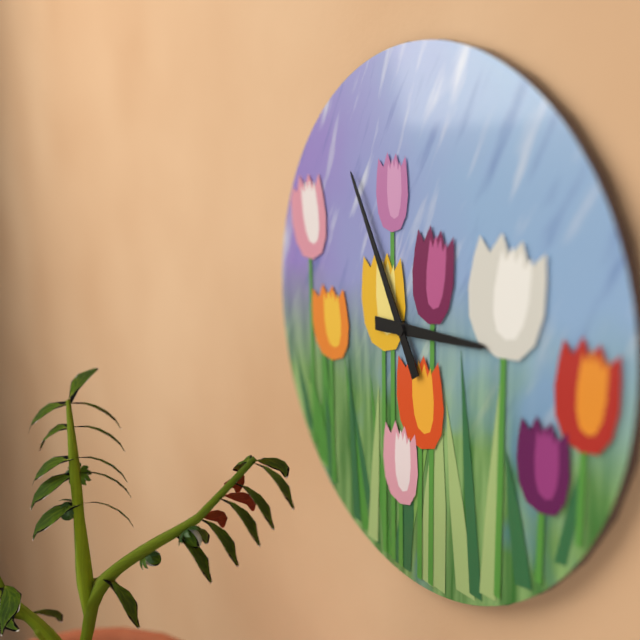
2h55
